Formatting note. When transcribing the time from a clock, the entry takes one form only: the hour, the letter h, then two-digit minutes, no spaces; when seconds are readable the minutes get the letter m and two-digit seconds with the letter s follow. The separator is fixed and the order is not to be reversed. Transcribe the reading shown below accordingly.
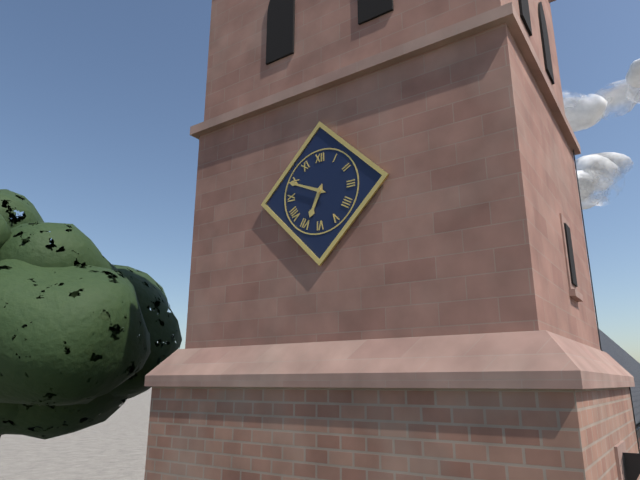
6h49
